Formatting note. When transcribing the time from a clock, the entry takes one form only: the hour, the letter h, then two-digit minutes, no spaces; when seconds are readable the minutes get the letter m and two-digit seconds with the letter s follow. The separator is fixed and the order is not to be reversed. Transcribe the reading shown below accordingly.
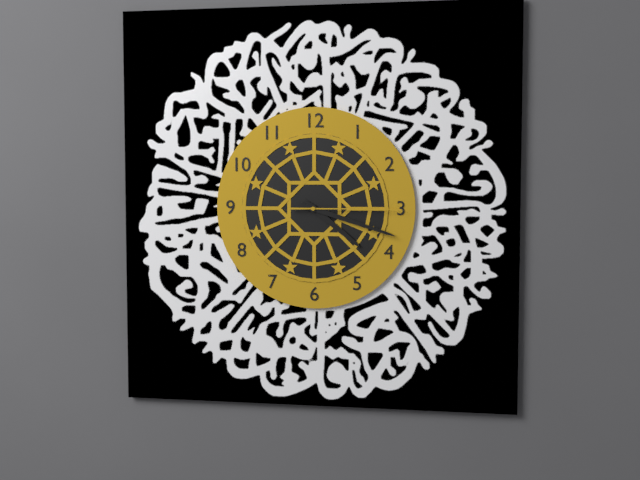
4h18m15s
